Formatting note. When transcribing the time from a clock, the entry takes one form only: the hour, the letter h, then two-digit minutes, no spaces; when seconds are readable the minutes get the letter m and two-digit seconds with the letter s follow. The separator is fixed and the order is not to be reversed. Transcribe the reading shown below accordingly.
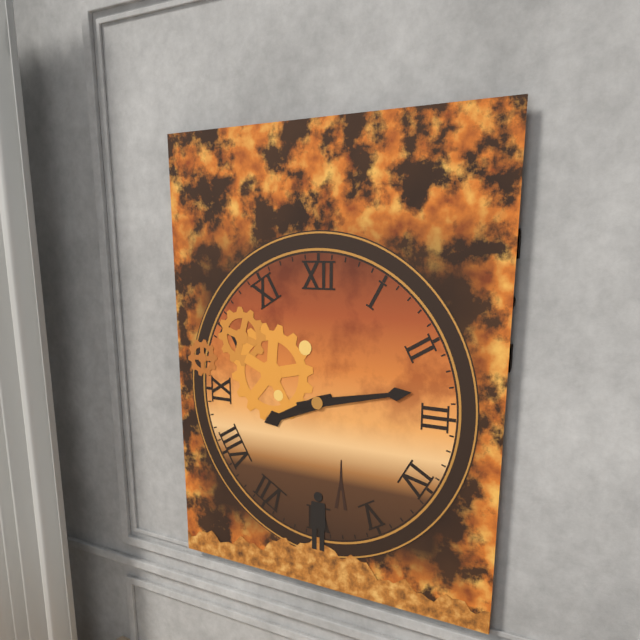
8h13
